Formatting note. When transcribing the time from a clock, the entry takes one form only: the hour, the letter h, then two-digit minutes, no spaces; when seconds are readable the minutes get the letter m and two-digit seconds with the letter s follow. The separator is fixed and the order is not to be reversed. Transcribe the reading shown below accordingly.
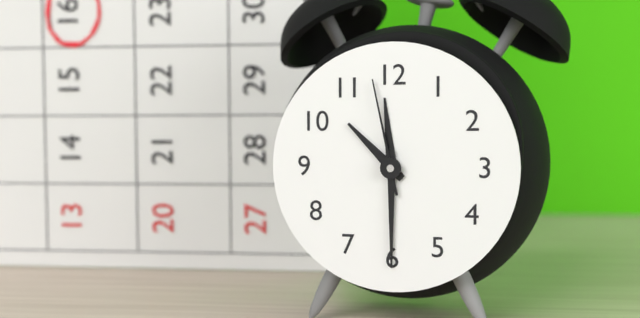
10h30m58s
